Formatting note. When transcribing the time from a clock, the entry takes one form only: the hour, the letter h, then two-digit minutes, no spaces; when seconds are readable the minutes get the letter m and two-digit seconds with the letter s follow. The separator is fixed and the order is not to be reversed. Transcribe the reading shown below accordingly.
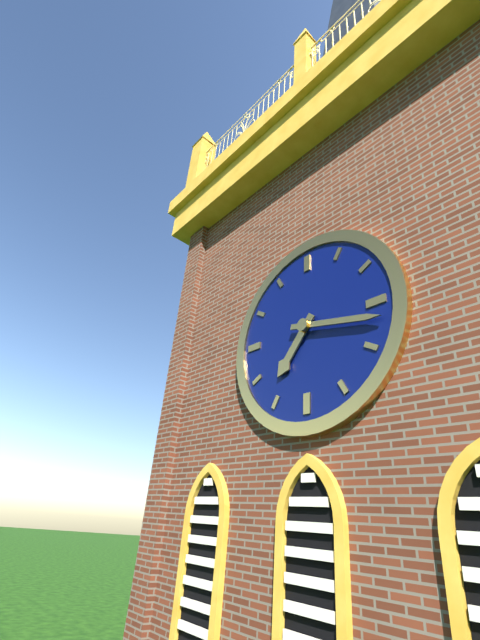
7h17
